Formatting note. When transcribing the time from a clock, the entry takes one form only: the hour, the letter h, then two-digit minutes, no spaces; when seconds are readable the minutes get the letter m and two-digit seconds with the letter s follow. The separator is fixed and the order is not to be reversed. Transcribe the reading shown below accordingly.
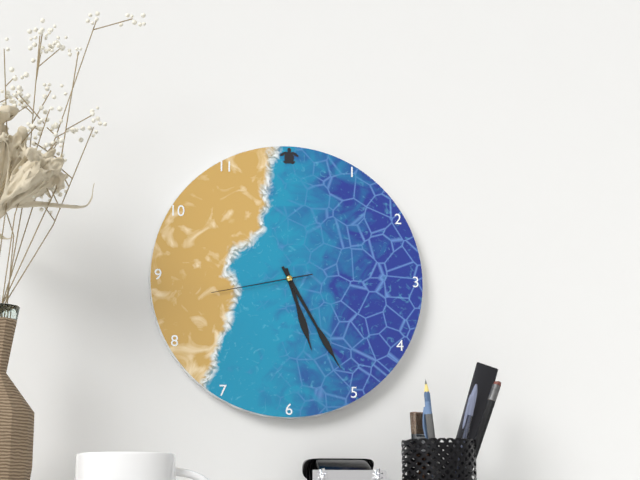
5h25m43s
